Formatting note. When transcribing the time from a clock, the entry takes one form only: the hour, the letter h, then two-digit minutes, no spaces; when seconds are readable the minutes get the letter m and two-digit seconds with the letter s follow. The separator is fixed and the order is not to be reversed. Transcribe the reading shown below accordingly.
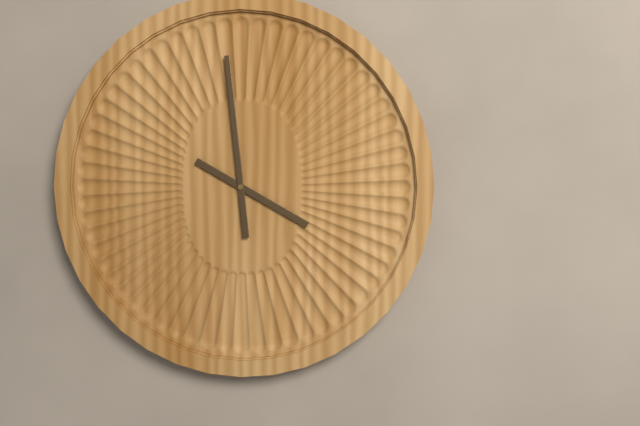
3h59
